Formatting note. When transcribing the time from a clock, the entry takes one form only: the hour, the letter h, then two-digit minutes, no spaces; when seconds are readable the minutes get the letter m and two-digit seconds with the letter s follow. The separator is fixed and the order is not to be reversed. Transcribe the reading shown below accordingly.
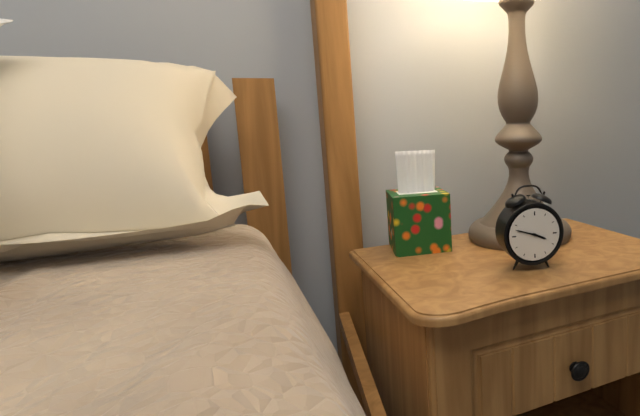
3h48
